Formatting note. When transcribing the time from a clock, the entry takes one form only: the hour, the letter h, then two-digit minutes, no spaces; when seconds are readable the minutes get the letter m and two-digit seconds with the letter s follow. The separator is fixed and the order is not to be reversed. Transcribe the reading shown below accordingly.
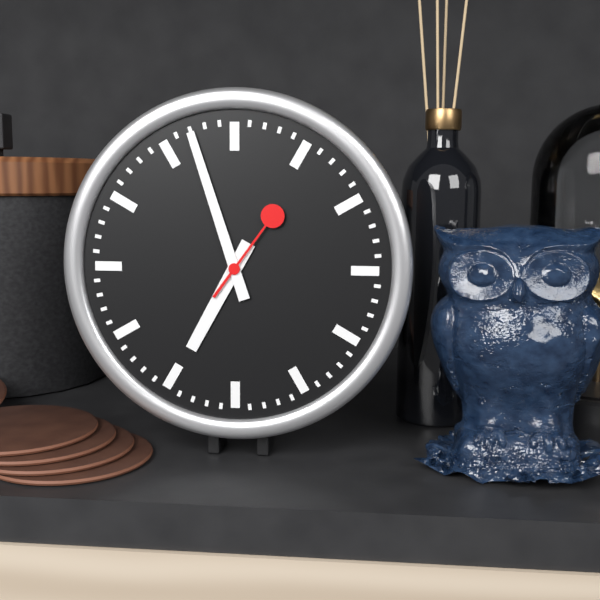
6h57m06s
